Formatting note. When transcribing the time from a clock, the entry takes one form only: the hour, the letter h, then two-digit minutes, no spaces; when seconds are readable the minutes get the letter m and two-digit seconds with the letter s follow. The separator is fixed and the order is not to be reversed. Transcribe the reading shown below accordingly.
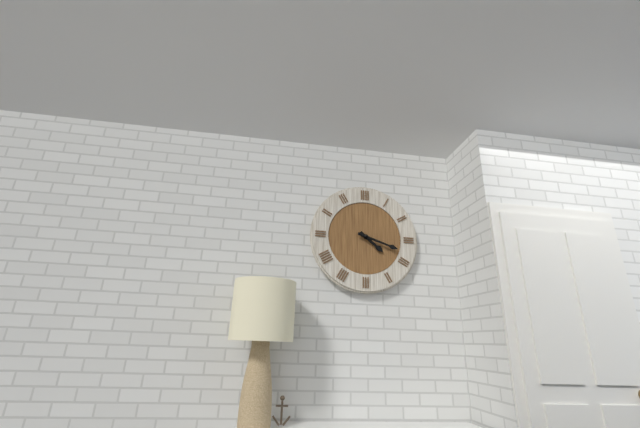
4h18
